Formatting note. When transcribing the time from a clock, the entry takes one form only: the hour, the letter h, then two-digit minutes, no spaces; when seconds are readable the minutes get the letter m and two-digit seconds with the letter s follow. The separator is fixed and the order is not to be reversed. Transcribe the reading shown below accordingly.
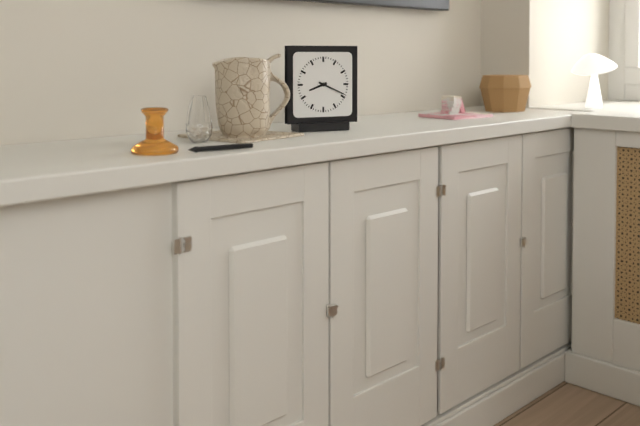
8h19
